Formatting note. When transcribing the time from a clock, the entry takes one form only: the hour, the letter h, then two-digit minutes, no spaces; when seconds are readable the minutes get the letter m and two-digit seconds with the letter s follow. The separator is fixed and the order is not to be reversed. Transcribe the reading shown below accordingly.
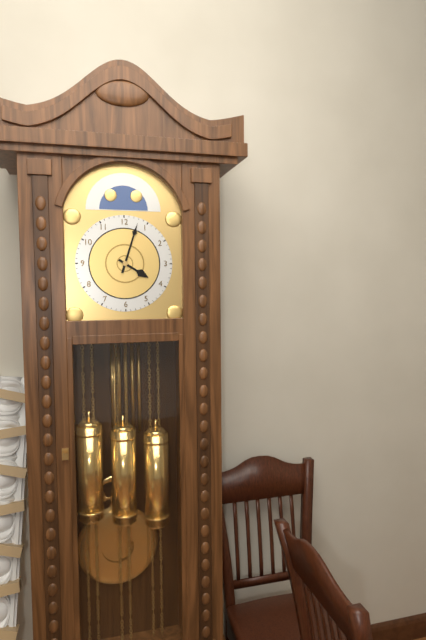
4h03
